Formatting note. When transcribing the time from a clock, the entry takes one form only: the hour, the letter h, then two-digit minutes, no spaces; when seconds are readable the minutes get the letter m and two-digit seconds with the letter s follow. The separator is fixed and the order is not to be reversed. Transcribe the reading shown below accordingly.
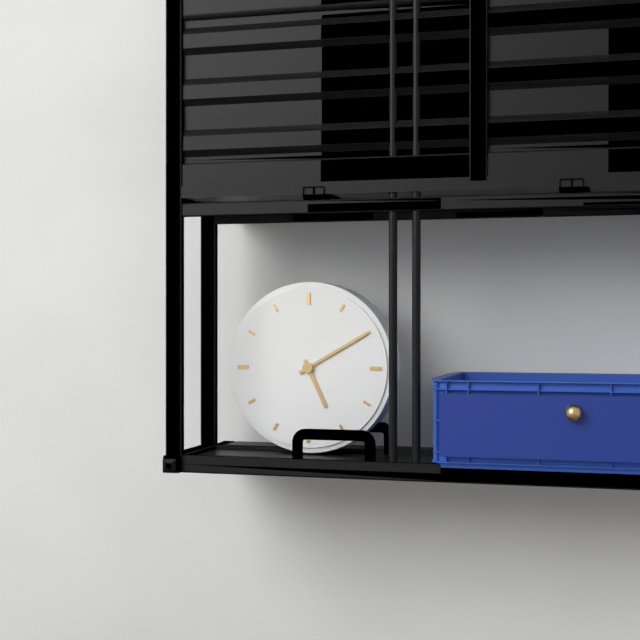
5h10
